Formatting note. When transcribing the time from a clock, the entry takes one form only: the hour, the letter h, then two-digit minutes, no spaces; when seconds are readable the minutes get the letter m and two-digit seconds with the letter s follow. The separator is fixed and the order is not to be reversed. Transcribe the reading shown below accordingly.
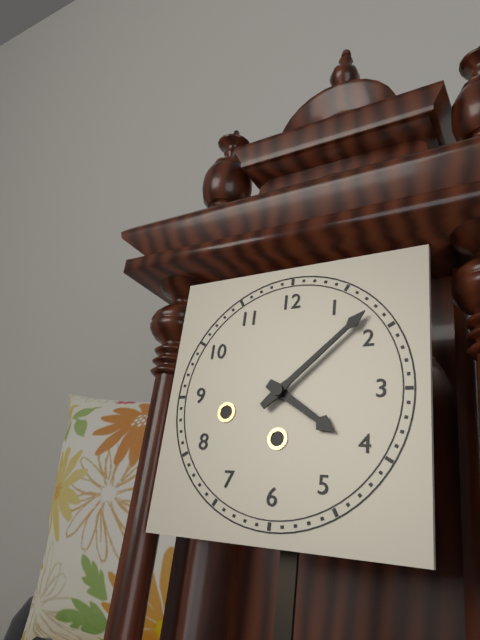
4h08
